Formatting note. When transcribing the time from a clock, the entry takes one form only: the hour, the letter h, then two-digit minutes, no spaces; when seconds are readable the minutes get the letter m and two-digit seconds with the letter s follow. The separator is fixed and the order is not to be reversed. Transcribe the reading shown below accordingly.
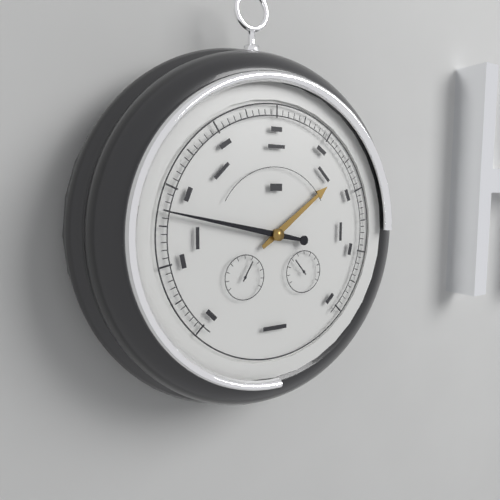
1h47
